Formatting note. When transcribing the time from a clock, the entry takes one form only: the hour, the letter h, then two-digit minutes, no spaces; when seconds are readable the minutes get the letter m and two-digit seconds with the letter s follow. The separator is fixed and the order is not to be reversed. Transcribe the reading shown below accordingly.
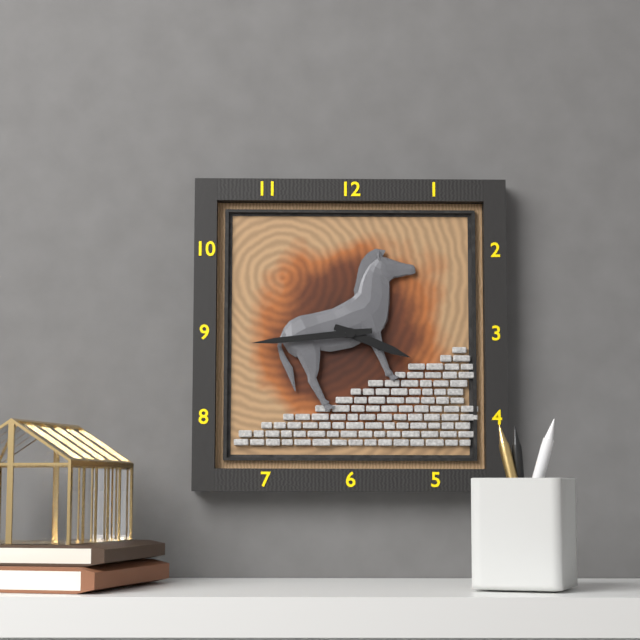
3h44
